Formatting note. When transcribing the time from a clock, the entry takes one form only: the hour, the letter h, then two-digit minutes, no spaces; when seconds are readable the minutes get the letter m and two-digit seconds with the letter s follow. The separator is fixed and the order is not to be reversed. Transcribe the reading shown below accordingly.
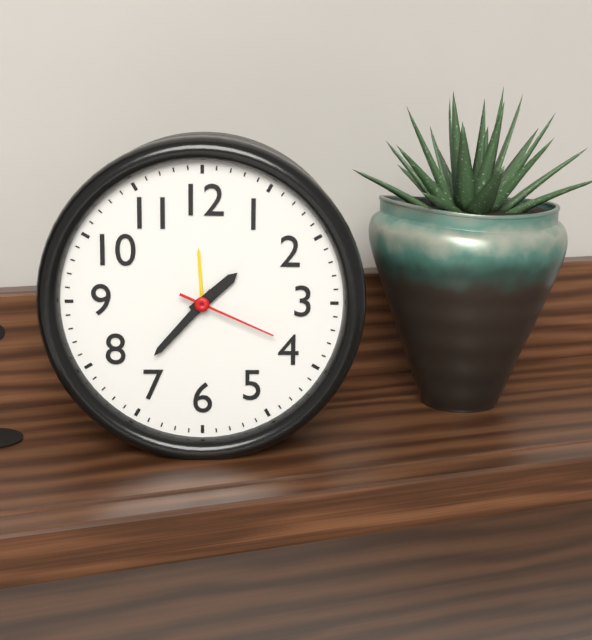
1h37m19s
